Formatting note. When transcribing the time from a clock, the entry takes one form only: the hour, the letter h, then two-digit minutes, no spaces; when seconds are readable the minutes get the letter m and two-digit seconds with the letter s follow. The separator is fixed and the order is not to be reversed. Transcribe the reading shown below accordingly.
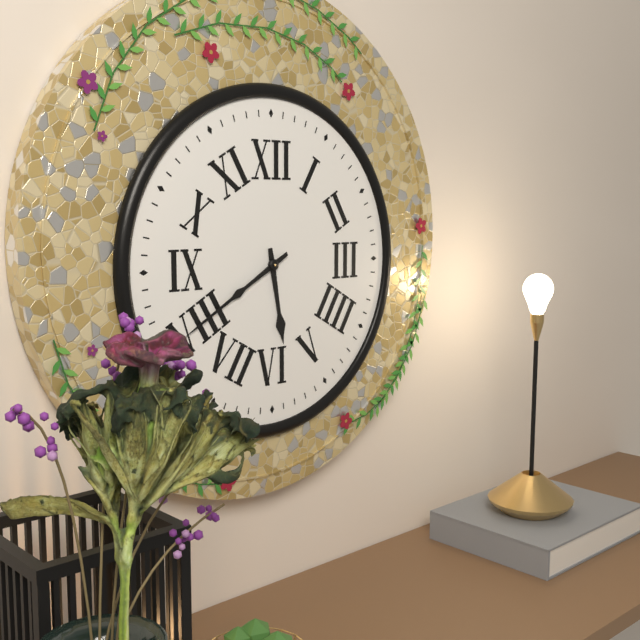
5h40
